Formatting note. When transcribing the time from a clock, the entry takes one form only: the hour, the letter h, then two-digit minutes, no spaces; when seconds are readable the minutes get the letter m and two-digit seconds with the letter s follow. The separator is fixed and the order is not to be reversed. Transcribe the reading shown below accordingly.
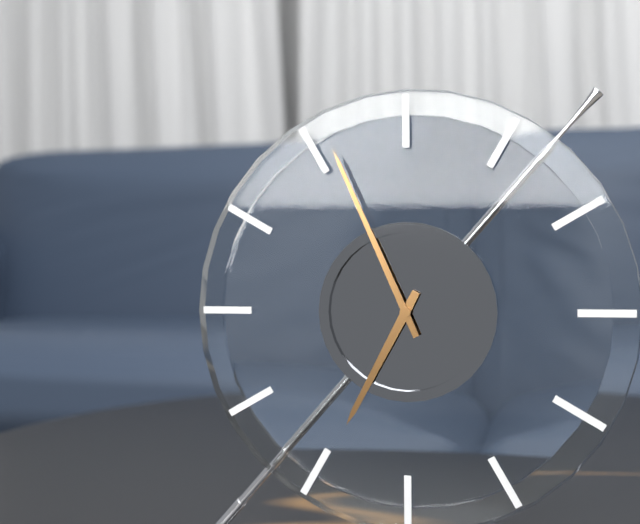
6h56
